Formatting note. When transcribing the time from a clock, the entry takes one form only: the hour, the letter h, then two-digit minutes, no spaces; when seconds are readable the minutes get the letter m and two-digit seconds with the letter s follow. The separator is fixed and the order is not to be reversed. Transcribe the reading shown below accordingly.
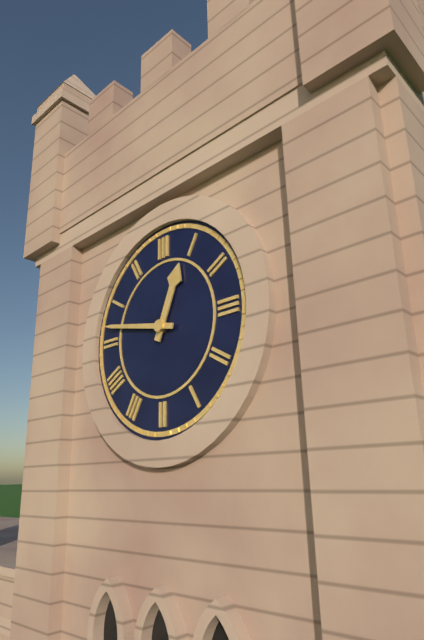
12h47
